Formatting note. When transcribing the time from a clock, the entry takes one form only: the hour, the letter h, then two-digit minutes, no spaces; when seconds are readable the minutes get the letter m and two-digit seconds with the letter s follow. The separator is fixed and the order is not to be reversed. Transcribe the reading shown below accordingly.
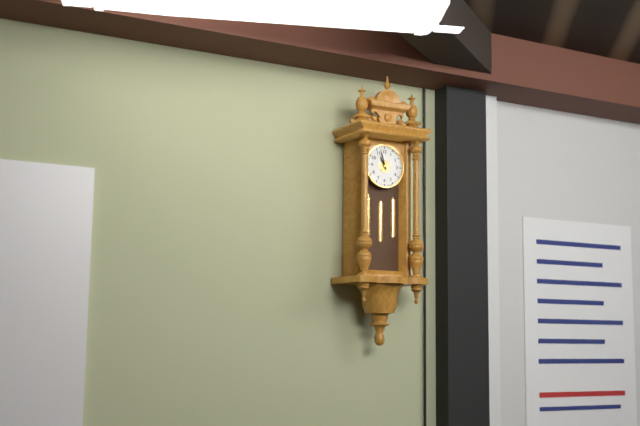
10h57
